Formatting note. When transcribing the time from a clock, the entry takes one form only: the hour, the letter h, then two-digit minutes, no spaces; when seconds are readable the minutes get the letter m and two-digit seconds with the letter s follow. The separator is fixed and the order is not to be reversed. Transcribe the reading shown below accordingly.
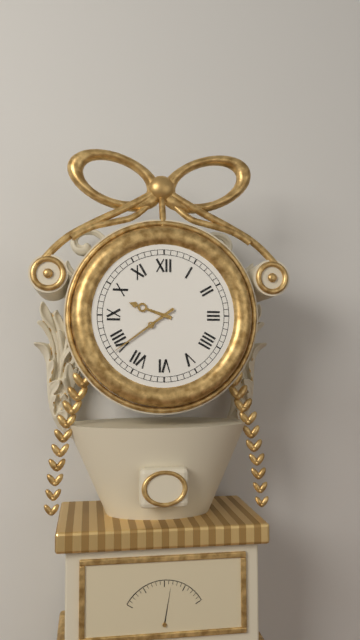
9h39
